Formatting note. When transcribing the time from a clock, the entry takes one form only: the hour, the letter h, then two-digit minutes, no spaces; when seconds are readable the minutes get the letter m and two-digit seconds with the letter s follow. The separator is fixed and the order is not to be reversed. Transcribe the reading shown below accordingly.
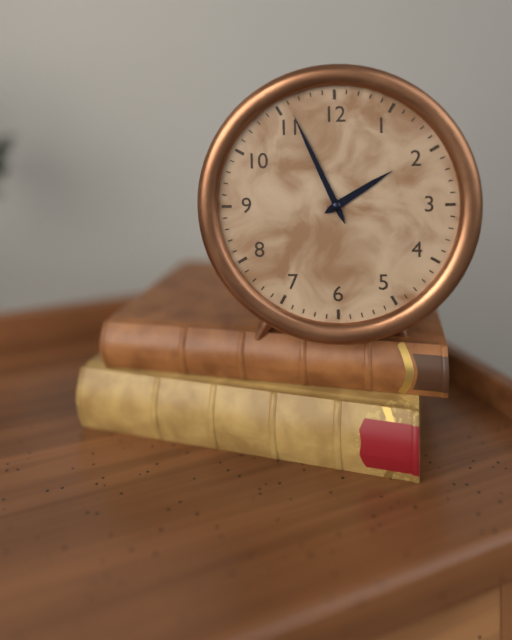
1h56
